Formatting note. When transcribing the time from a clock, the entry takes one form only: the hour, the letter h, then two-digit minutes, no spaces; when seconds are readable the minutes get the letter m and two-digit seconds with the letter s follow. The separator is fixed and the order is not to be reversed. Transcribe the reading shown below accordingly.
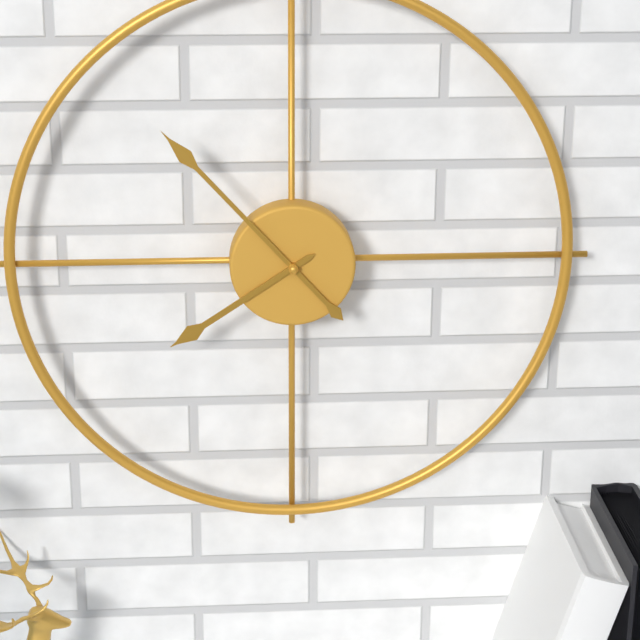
7h53
